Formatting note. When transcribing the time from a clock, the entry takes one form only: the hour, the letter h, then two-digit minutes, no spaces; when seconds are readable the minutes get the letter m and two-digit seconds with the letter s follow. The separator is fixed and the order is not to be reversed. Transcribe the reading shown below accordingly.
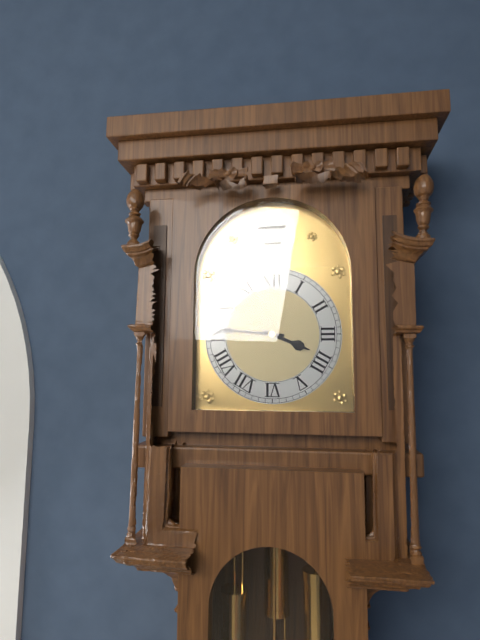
3h46
